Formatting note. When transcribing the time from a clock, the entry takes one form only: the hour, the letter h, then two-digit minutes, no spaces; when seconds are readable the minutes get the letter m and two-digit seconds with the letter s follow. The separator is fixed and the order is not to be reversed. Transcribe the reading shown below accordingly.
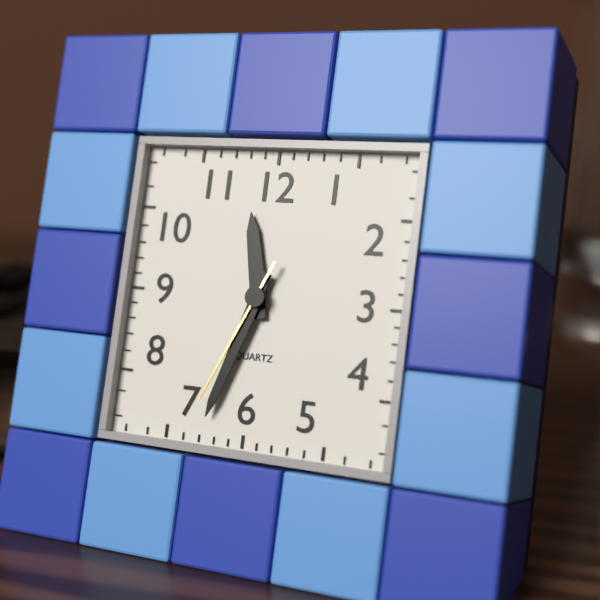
11h33m34s
